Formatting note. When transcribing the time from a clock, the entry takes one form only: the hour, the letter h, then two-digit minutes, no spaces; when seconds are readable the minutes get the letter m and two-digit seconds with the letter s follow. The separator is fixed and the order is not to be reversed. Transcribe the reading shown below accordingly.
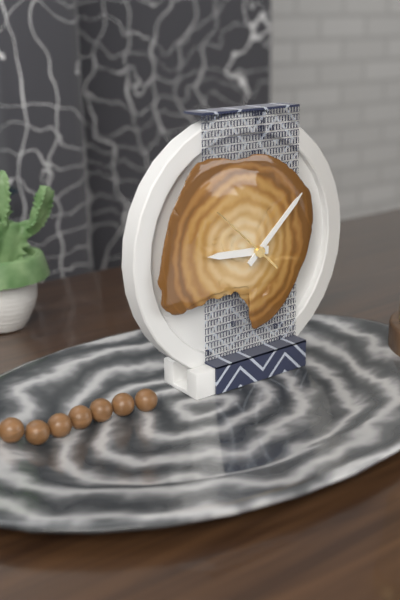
9h08m52s
